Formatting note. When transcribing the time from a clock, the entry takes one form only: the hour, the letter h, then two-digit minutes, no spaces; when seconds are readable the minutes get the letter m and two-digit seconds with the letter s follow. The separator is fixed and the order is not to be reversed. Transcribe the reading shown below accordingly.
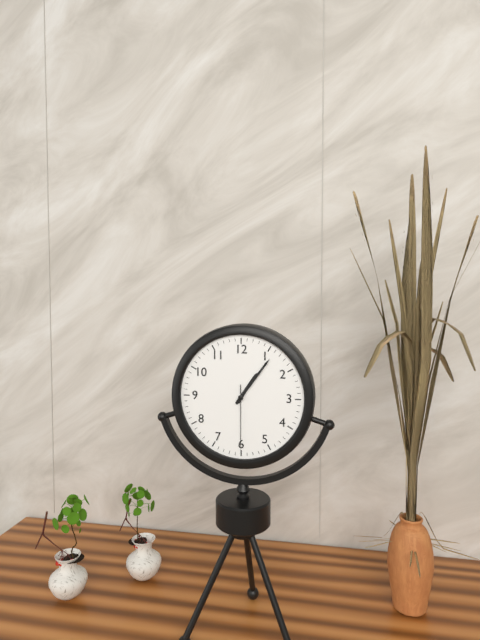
1h06m30s
